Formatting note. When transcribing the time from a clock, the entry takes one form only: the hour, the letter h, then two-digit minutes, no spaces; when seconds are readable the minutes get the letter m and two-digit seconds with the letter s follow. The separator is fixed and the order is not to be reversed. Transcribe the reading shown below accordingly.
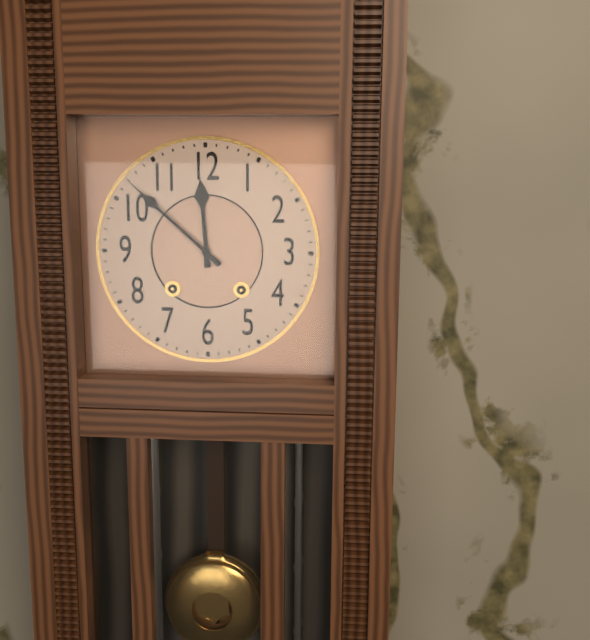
11h52
